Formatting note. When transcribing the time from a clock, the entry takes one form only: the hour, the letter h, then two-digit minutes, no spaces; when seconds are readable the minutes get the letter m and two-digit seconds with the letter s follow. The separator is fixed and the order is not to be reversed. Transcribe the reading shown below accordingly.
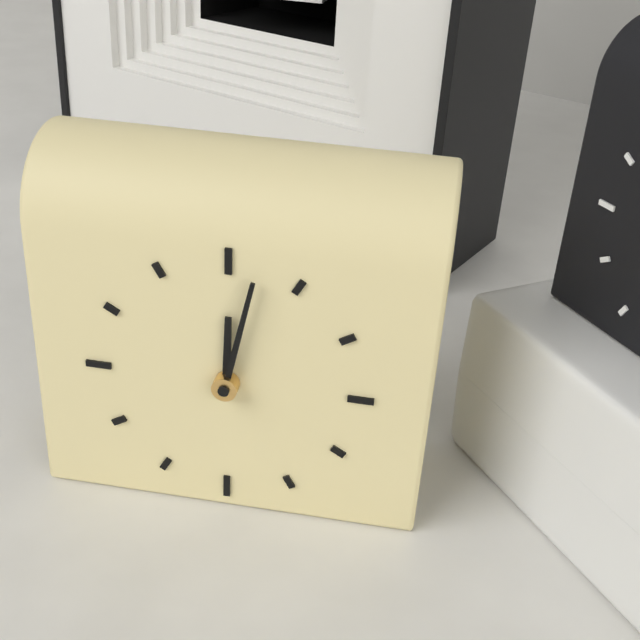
12h02
